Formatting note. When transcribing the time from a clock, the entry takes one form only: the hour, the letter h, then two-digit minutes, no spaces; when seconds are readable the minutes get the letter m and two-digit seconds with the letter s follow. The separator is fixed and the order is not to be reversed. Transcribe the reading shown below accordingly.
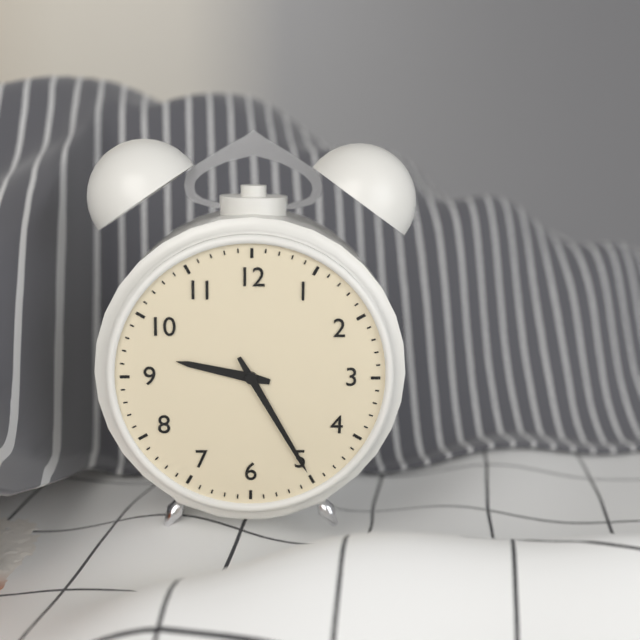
9h25
